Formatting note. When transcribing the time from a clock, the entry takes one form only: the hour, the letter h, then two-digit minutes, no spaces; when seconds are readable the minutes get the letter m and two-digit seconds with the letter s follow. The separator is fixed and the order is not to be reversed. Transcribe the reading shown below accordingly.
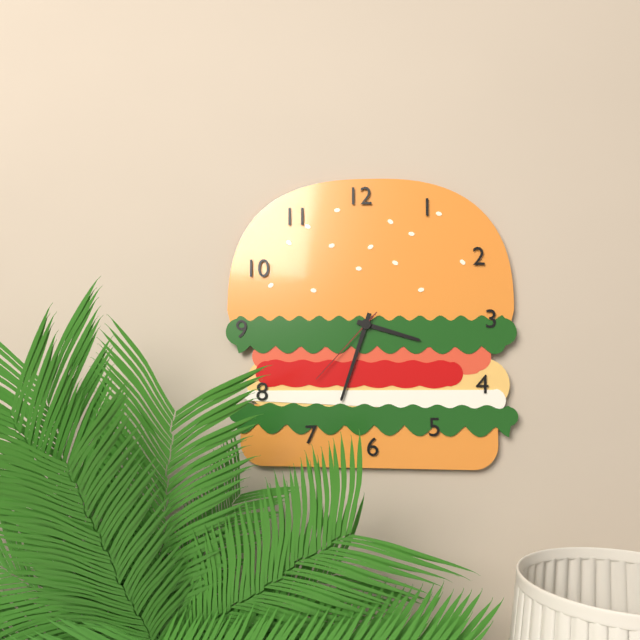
3h33m37s
